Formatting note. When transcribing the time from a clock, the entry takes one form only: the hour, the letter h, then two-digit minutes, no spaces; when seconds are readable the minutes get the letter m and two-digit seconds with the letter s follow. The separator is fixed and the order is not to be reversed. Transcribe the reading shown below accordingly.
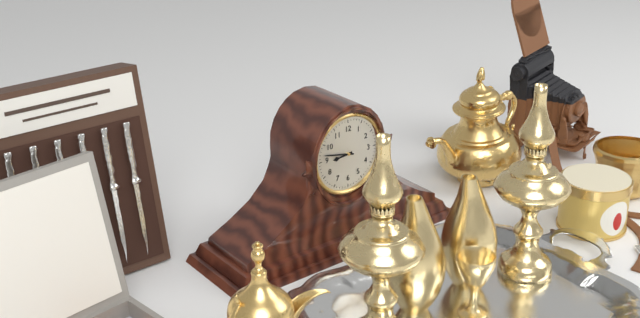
8h47
